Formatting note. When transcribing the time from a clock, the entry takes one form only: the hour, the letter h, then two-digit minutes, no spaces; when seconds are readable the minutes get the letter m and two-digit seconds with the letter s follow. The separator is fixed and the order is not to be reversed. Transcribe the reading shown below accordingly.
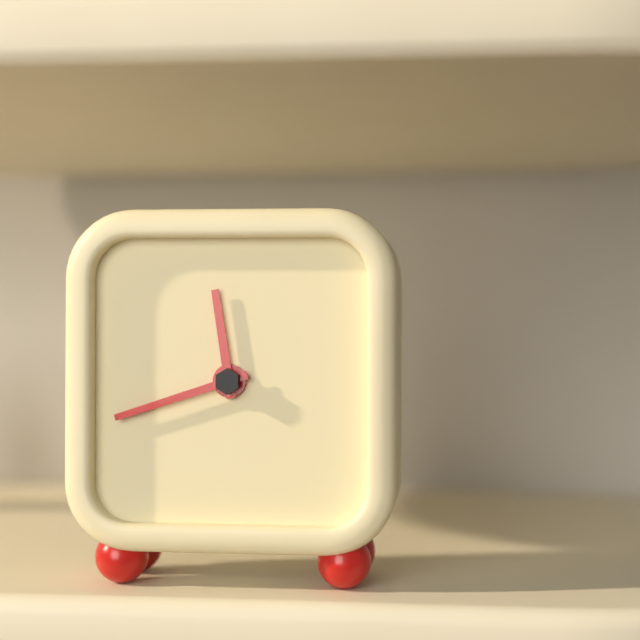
11h42
